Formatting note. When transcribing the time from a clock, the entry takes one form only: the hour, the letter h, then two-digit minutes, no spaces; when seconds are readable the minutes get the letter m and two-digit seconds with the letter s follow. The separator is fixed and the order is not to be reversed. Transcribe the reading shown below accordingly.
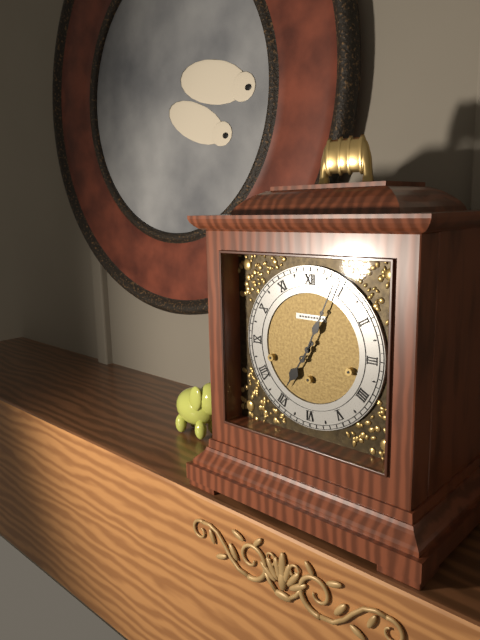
7h04
